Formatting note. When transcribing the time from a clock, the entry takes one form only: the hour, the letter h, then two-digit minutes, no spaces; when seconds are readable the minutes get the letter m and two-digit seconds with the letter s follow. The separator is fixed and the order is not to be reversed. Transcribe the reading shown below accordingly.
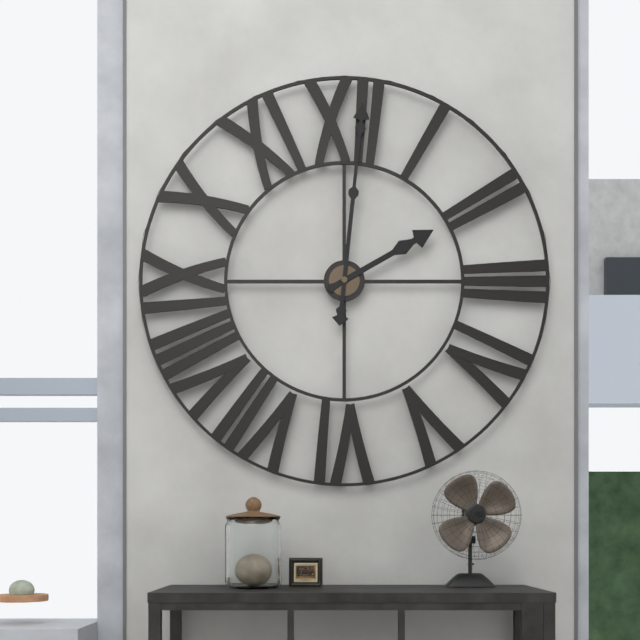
2h01
